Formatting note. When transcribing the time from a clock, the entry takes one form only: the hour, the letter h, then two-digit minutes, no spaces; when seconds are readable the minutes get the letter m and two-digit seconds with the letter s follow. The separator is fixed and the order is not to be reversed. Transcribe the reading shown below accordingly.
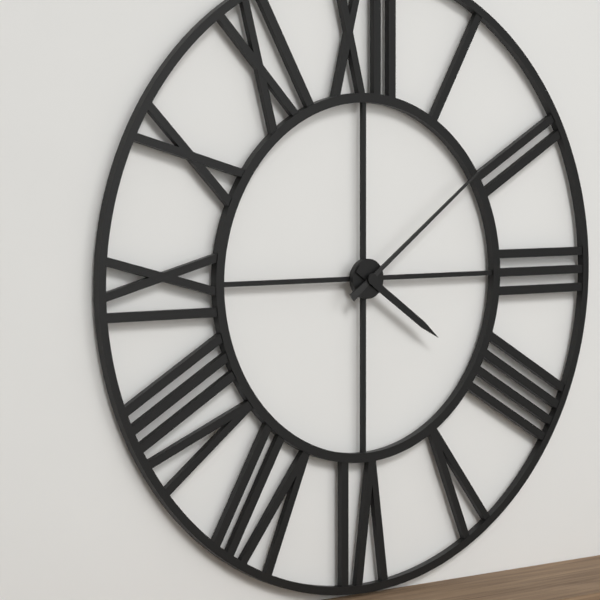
4h09
